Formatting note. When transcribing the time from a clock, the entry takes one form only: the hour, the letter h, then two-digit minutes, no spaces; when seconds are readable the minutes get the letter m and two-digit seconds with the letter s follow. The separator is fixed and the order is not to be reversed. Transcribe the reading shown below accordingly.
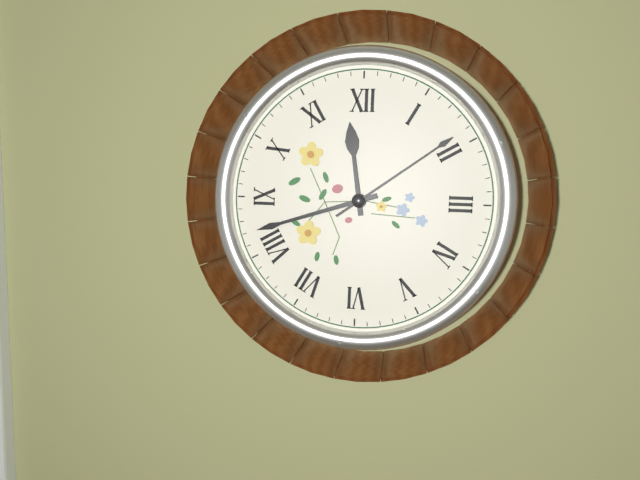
11h42m09s
